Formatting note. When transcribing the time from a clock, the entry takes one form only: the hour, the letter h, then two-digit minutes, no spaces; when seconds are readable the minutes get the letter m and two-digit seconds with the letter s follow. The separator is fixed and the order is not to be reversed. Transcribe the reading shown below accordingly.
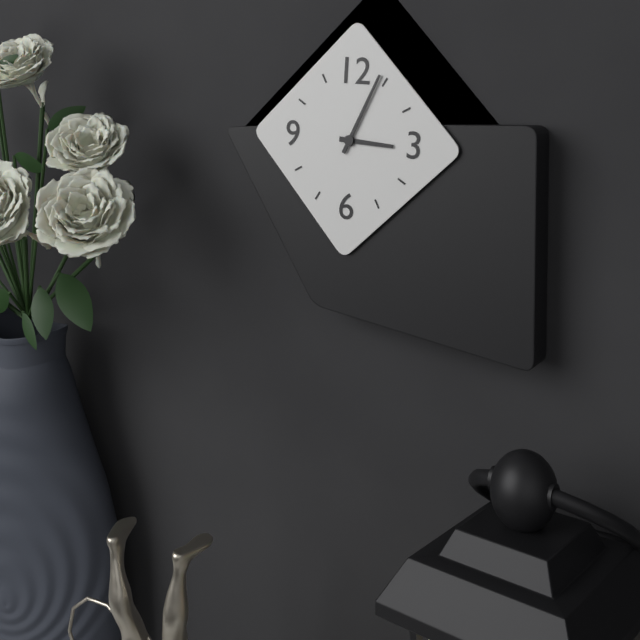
3h04
